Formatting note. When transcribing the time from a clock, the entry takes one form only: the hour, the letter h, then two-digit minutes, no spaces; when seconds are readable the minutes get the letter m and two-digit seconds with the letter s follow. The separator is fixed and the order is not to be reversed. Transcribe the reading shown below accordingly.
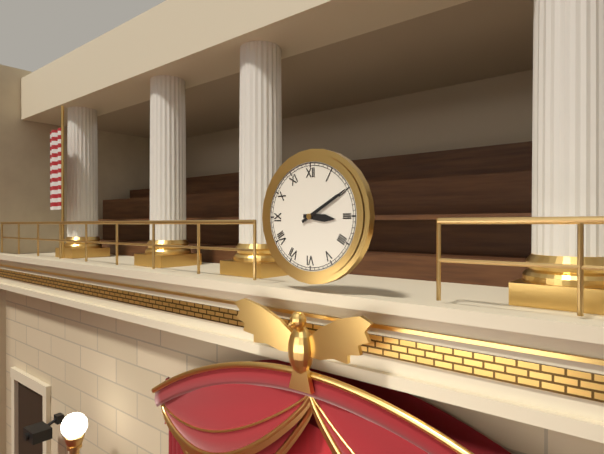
3h10
